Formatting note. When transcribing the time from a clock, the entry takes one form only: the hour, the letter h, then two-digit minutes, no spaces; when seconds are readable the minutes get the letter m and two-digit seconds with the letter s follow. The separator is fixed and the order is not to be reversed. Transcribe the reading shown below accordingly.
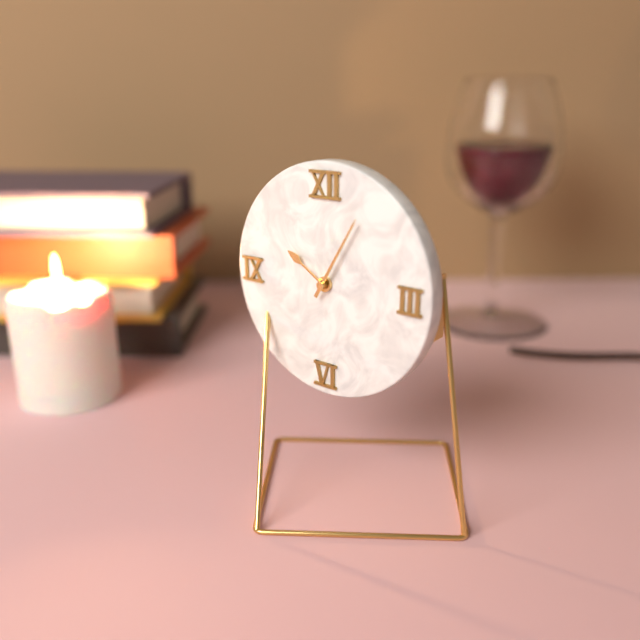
10h05
